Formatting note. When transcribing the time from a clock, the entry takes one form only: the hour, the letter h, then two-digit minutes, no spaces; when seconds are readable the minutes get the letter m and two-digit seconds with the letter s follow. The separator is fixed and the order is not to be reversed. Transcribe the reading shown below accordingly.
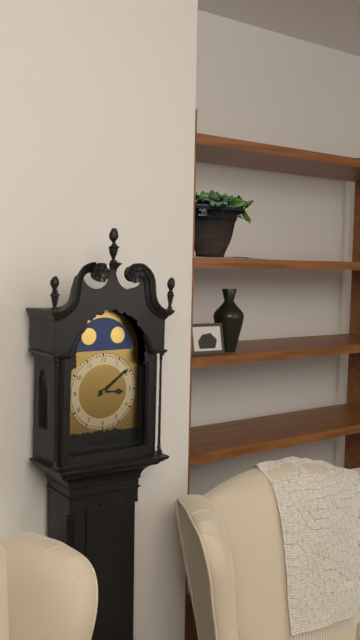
3h09
